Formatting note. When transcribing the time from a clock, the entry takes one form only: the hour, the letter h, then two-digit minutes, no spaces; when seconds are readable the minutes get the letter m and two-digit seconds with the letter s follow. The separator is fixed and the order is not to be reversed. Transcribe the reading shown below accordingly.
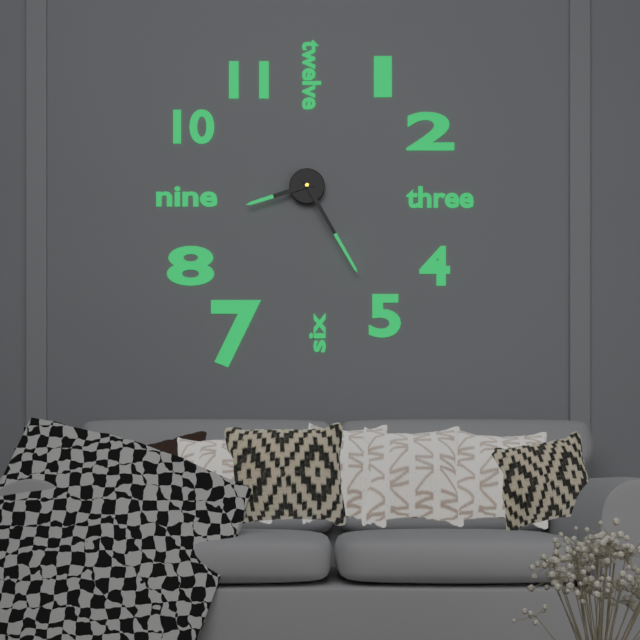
8h25
